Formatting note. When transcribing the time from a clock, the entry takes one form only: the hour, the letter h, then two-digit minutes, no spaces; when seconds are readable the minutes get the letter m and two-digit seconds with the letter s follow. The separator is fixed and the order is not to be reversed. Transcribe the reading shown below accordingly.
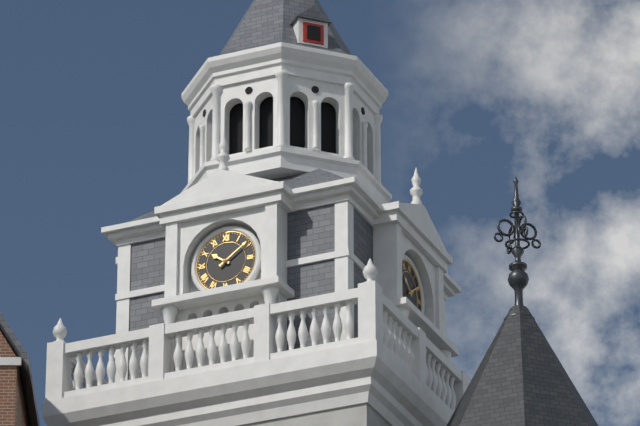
10h09
